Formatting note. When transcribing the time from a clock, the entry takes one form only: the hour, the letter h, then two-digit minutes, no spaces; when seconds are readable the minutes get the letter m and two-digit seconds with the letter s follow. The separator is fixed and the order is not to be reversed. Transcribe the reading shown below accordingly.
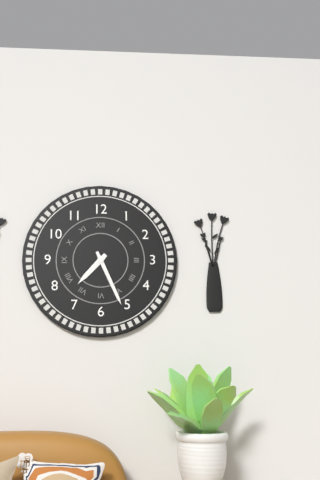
7h26
